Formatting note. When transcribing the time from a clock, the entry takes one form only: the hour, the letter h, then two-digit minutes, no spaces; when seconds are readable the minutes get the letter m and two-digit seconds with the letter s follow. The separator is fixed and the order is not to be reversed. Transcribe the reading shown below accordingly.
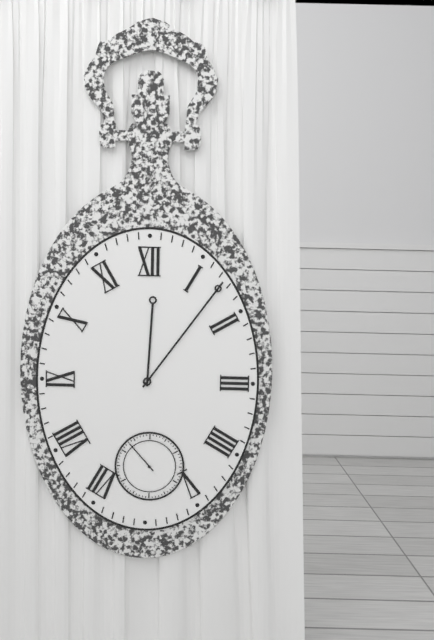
12h06
